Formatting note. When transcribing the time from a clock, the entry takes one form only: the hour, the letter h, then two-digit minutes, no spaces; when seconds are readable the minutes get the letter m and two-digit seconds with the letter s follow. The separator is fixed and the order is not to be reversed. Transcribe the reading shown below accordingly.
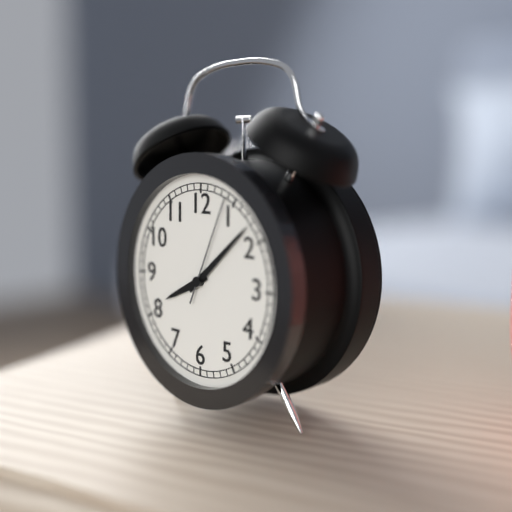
8h08m04s
